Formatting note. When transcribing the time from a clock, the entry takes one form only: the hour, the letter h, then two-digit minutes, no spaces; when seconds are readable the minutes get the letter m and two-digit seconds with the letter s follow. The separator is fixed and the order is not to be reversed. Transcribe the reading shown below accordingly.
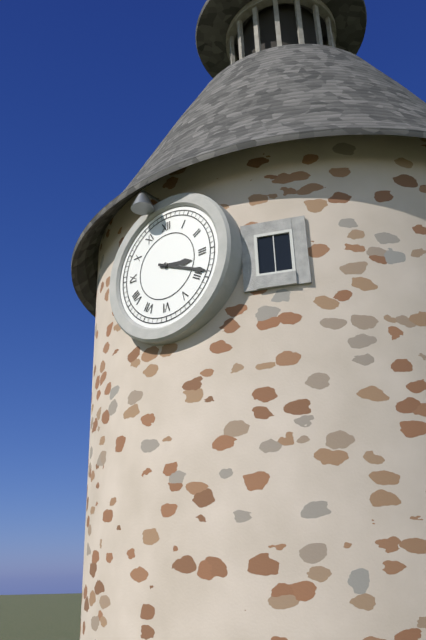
3h19
